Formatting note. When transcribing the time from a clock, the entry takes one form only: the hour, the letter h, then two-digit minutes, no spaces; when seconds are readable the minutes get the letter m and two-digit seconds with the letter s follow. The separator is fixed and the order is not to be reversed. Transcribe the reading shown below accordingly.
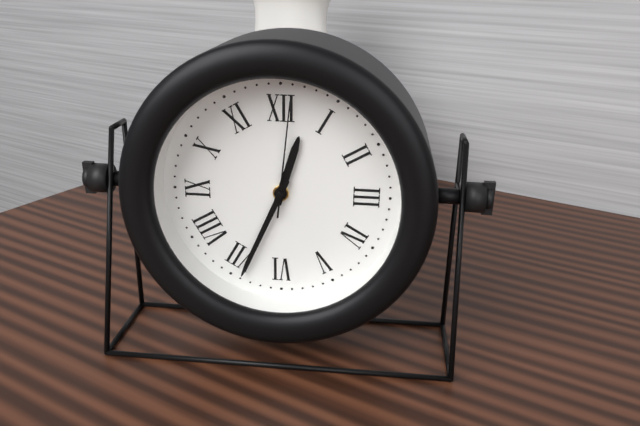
12h34m01s
